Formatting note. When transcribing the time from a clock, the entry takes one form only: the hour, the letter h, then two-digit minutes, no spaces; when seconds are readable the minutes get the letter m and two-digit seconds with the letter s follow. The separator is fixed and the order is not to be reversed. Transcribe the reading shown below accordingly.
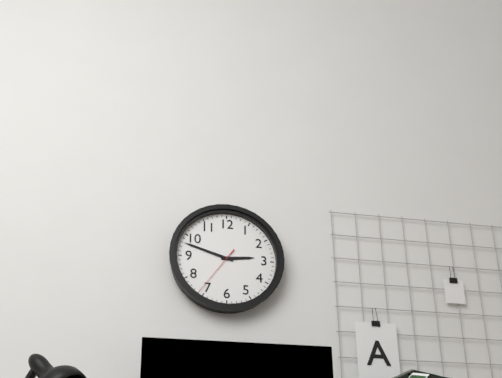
2h48m36s
